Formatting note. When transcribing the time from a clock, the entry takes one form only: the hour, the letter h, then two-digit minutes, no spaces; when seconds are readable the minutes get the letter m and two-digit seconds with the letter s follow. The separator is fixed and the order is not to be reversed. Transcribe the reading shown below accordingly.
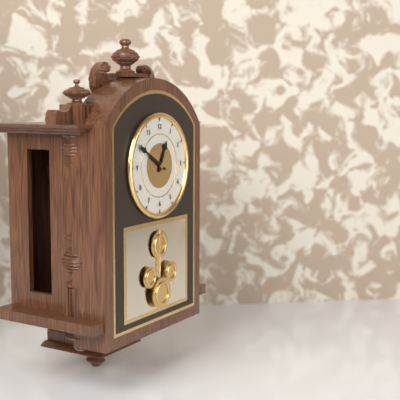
12h50
